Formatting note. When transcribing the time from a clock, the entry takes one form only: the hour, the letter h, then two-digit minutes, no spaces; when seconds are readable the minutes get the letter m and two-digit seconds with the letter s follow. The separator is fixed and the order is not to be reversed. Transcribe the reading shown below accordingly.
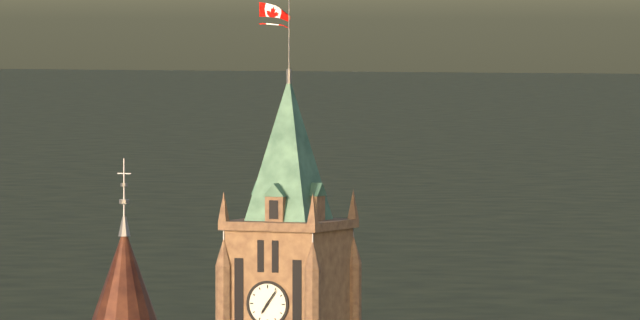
7h06
